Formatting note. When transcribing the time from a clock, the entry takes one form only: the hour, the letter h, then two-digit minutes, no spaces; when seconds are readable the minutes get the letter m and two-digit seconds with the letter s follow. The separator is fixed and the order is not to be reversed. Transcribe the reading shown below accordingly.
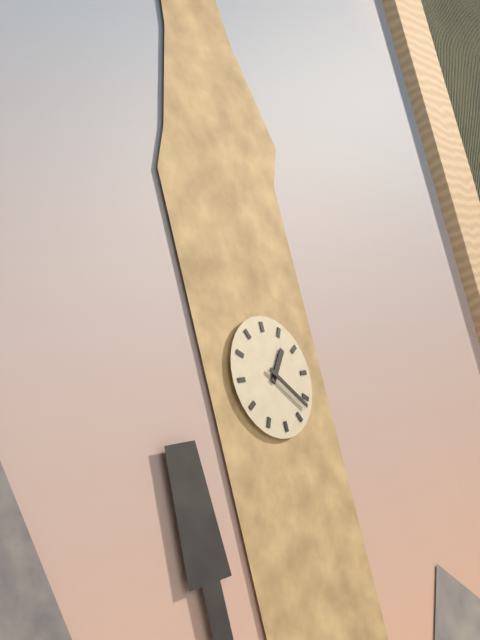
1h22
